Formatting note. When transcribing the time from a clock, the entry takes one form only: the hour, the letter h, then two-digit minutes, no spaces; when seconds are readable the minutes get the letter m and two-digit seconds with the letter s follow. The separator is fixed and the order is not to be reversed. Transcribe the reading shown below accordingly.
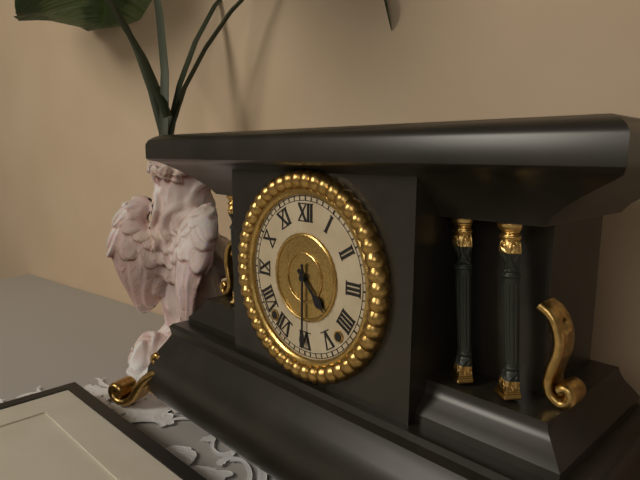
4h30
